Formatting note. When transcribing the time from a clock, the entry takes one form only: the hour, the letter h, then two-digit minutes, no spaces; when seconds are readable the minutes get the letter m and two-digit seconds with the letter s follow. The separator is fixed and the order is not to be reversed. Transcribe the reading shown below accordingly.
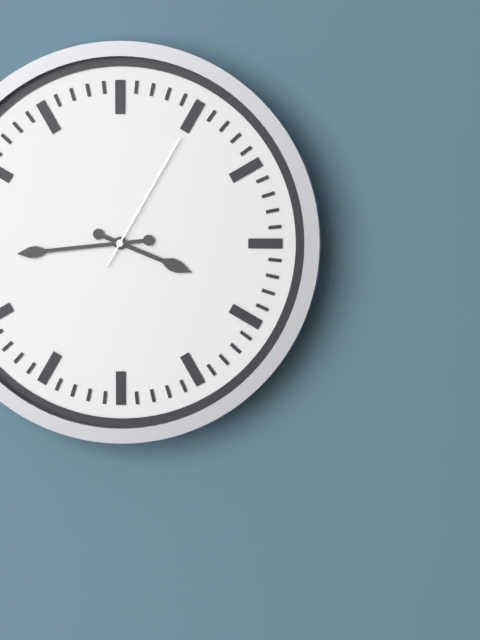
3h44m05s
